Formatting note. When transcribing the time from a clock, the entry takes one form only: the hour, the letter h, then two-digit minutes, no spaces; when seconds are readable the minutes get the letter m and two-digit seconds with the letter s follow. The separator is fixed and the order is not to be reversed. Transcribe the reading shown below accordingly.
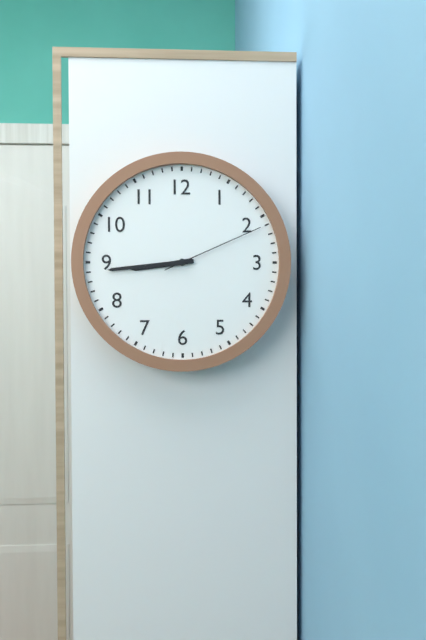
8h44m11s
